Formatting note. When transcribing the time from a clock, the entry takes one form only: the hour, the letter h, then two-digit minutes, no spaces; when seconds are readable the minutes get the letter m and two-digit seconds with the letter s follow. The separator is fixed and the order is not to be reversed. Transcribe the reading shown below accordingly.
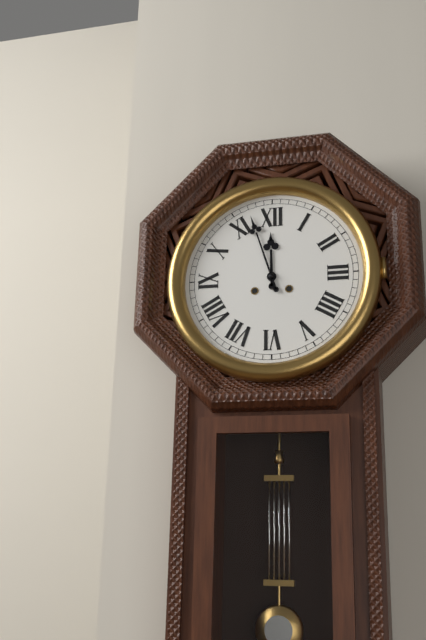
11h57
